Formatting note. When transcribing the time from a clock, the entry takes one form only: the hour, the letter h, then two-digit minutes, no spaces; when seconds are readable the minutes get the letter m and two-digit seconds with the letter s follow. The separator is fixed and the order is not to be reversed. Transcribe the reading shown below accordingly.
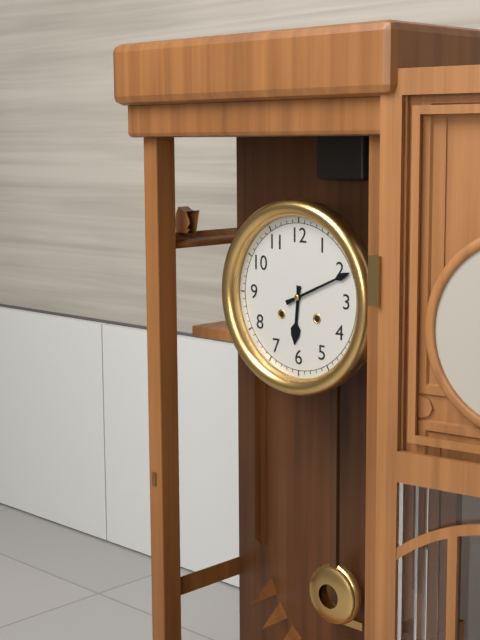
6h11
